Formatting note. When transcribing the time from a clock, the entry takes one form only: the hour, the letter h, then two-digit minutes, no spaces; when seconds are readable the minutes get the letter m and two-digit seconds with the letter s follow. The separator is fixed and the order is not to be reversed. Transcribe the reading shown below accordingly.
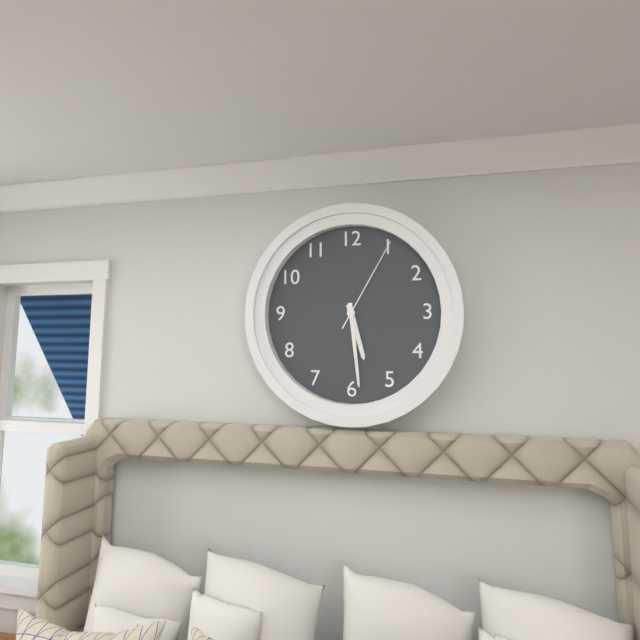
5h29m05s
